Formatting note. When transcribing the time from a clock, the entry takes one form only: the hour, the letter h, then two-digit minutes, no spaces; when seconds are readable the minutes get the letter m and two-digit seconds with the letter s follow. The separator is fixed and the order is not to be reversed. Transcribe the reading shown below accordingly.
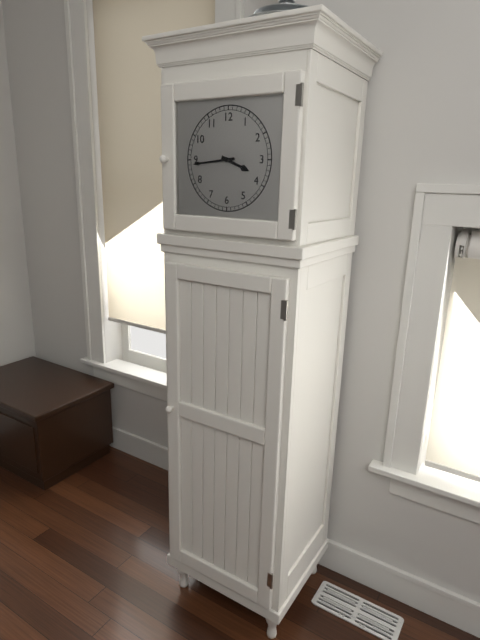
3h44
